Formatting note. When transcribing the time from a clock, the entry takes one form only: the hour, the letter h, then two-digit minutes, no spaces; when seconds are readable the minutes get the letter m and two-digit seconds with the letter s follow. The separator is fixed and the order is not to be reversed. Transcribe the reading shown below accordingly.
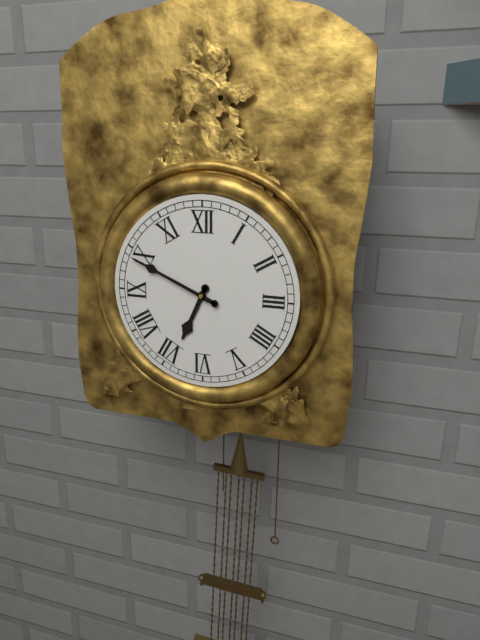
6h49
